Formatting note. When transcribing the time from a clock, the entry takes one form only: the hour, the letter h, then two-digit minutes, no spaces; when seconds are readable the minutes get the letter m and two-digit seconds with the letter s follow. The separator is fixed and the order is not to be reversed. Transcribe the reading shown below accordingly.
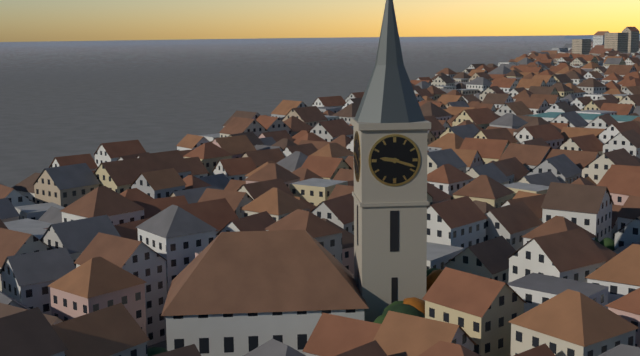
9h18
